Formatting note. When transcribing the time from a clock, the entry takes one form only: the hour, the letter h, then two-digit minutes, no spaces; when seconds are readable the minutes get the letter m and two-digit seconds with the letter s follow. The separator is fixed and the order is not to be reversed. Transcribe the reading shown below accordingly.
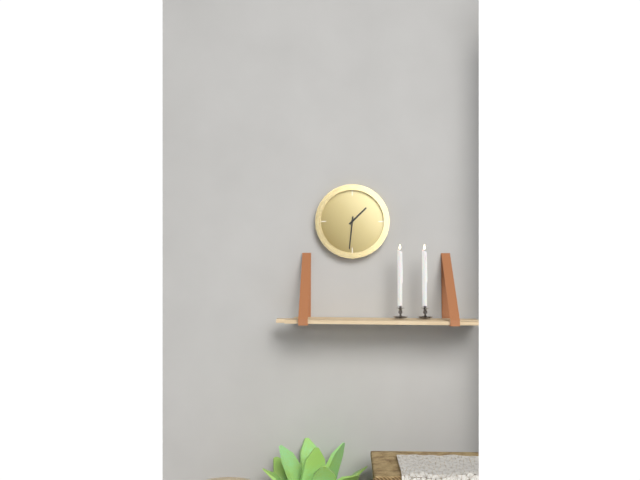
1h31
